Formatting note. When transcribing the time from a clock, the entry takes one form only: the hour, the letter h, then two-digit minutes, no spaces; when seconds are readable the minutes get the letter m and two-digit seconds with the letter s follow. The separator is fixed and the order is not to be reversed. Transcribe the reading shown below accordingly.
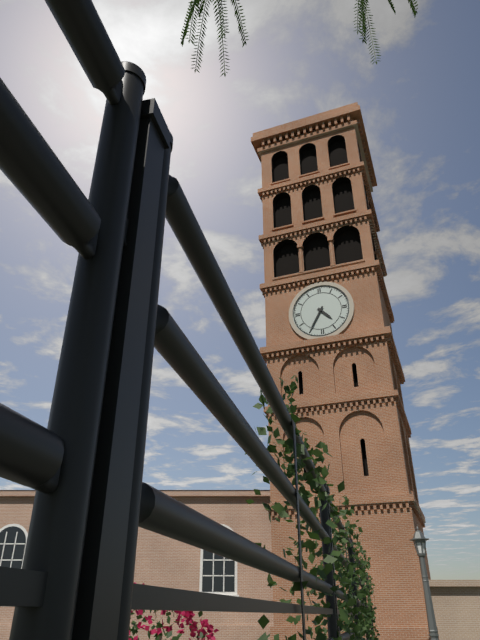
4h35
